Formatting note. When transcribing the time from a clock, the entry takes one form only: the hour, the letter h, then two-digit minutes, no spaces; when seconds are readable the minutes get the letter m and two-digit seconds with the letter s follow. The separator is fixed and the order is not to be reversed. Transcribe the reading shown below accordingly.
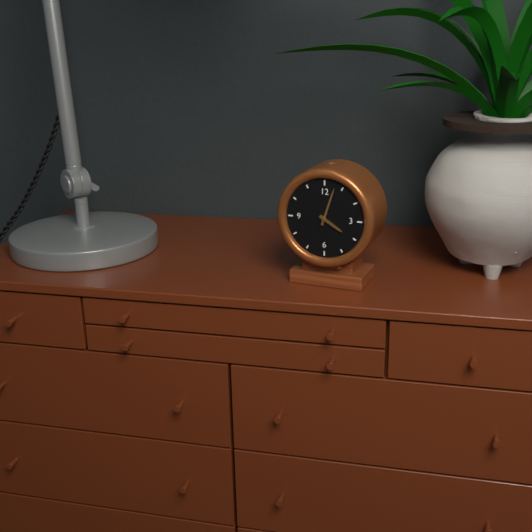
4h03
